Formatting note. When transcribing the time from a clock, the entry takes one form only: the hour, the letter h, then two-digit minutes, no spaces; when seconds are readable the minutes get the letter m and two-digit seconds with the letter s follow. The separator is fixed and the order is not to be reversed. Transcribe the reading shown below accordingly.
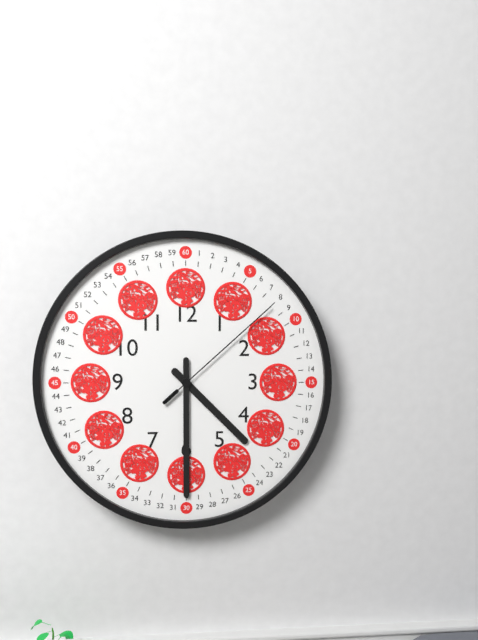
4h30m08s
